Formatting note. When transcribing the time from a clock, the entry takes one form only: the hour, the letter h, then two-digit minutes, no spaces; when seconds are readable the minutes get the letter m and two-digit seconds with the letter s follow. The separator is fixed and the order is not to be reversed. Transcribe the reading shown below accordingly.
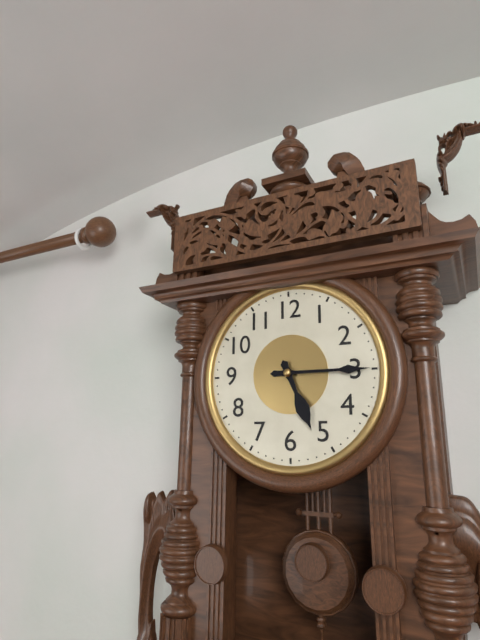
5h15
